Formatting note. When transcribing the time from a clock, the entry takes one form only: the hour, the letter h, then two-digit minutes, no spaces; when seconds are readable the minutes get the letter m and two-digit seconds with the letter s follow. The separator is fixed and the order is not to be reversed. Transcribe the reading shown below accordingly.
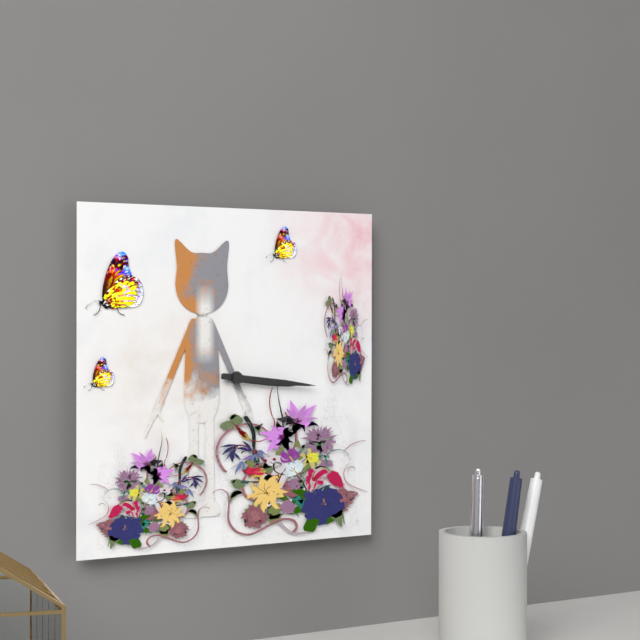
3h16
